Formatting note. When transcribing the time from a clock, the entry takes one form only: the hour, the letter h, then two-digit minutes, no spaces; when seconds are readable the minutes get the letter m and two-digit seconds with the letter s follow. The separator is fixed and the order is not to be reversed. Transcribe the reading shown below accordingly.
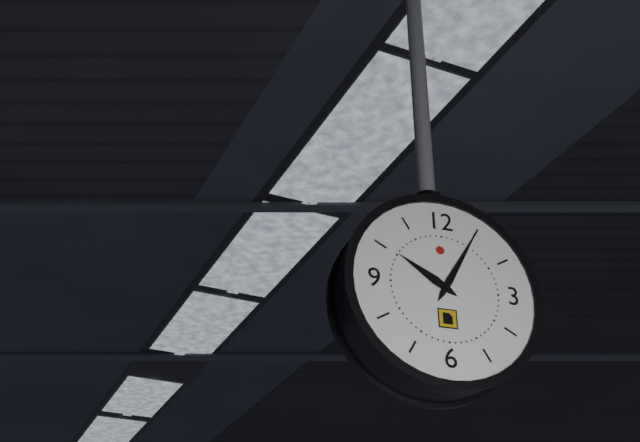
10h05
